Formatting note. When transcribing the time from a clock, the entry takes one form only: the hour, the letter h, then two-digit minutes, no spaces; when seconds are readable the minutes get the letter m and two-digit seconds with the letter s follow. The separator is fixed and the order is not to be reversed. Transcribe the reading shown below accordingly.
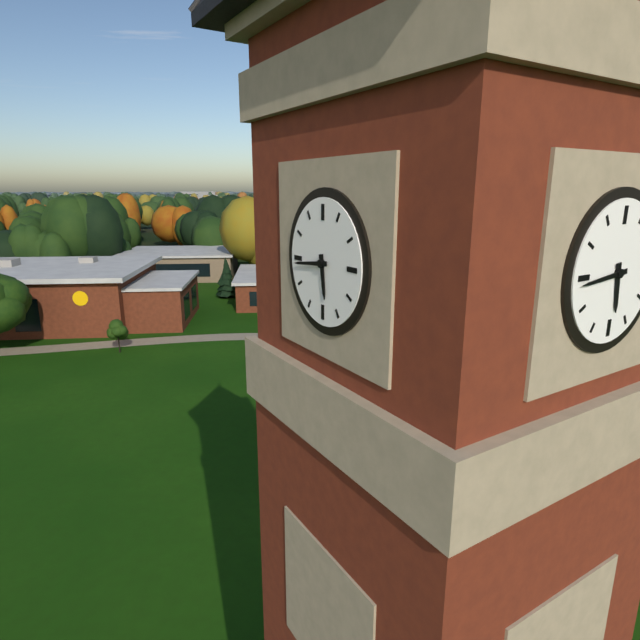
5h44
